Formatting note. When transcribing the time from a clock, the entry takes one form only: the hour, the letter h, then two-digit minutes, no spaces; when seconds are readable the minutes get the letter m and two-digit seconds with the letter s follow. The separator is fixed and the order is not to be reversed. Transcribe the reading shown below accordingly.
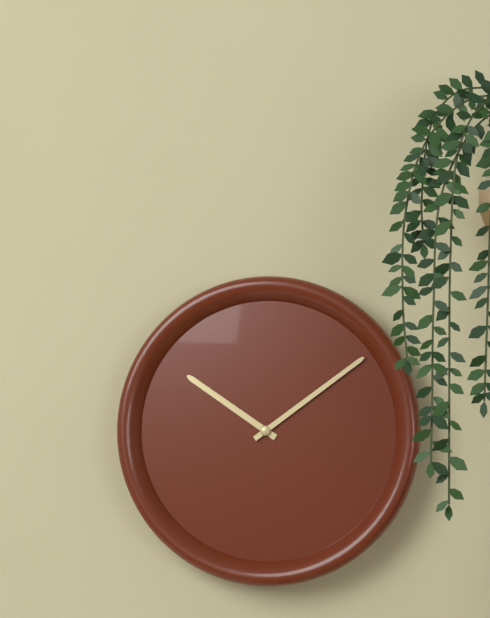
10h09
